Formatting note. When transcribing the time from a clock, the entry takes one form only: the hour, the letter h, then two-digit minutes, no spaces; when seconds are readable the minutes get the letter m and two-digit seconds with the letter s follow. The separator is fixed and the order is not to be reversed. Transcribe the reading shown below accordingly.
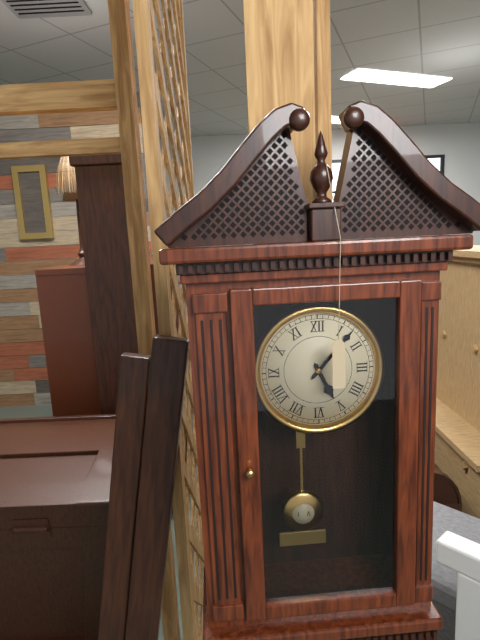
5h07
